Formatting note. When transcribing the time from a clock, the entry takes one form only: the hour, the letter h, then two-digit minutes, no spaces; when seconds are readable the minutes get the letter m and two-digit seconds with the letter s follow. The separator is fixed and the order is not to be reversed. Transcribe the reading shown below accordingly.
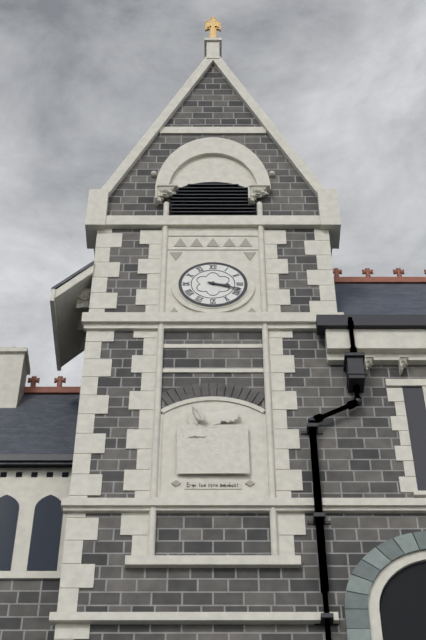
3h18
